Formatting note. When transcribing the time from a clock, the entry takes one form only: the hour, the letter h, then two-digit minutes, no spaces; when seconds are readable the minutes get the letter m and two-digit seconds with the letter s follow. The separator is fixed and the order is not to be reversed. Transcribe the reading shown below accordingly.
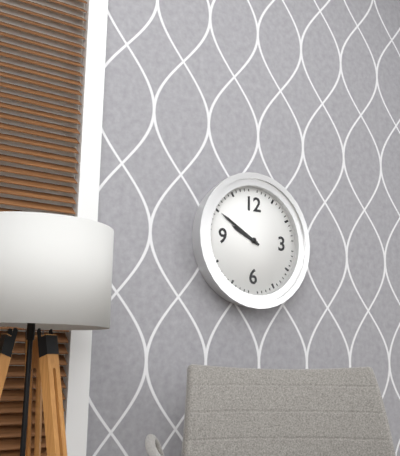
9h50
